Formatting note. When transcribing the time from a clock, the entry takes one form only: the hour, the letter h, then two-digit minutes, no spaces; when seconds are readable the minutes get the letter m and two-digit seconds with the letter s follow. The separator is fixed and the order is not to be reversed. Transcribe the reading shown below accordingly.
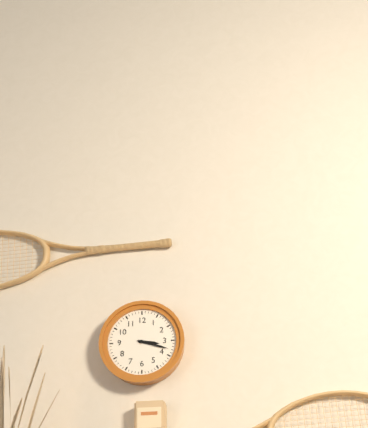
3h18
